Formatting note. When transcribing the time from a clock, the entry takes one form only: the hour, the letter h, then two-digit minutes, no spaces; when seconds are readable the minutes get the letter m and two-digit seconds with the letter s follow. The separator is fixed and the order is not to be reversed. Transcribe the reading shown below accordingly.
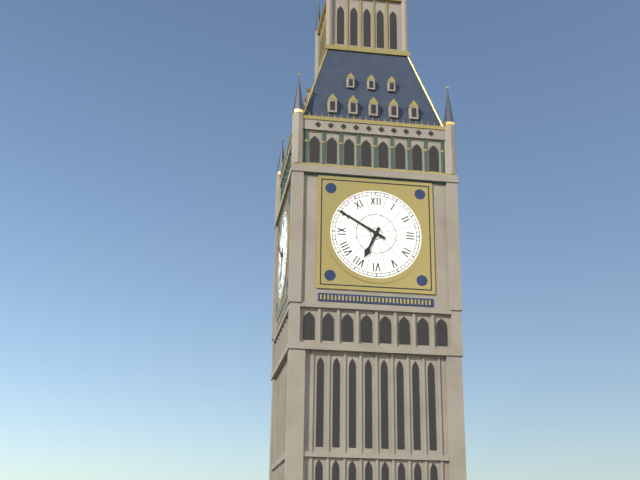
6h50
